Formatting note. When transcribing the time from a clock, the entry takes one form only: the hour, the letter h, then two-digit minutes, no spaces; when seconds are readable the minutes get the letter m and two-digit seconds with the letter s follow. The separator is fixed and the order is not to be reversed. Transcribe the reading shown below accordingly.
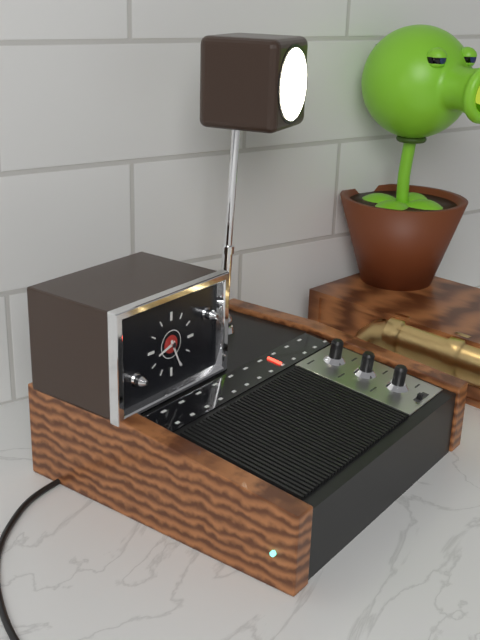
8h26
